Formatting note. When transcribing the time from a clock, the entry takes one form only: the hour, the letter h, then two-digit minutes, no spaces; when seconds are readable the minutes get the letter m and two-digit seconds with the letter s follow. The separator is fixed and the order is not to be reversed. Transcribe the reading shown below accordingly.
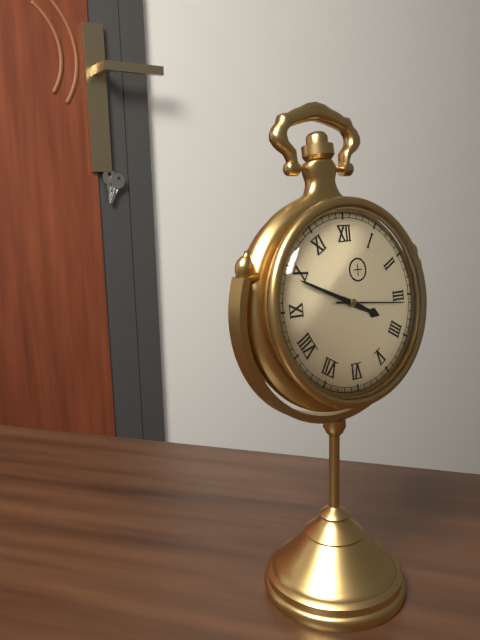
3h49m16s
